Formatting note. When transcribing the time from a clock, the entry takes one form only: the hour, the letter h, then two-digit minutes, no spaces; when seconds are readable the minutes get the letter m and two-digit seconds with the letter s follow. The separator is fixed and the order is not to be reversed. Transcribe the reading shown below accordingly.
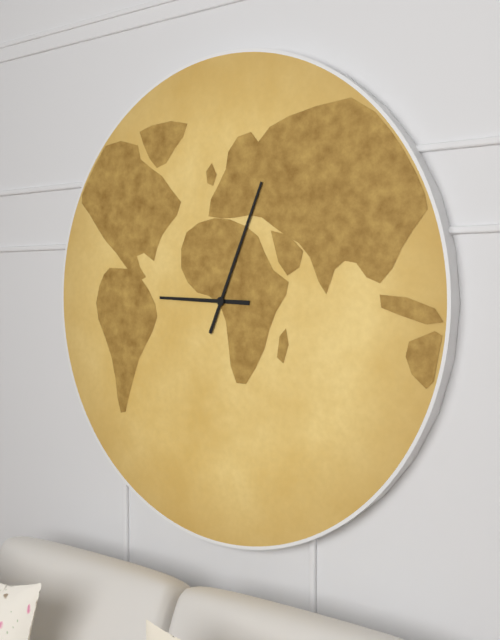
9h04
